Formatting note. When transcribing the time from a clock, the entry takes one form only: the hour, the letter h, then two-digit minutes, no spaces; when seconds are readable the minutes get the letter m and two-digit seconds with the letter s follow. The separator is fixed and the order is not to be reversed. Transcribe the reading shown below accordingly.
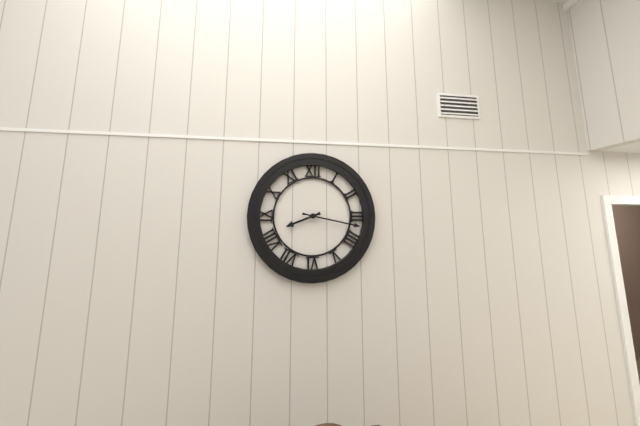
8h17
